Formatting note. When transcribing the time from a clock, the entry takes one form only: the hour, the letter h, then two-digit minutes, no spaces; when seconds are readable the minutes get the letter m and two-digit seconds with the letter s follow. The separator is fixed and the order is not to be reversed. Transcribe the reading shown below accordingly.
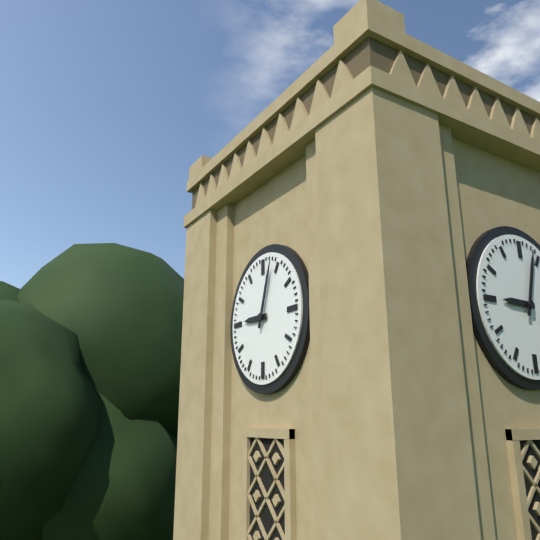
9h03
